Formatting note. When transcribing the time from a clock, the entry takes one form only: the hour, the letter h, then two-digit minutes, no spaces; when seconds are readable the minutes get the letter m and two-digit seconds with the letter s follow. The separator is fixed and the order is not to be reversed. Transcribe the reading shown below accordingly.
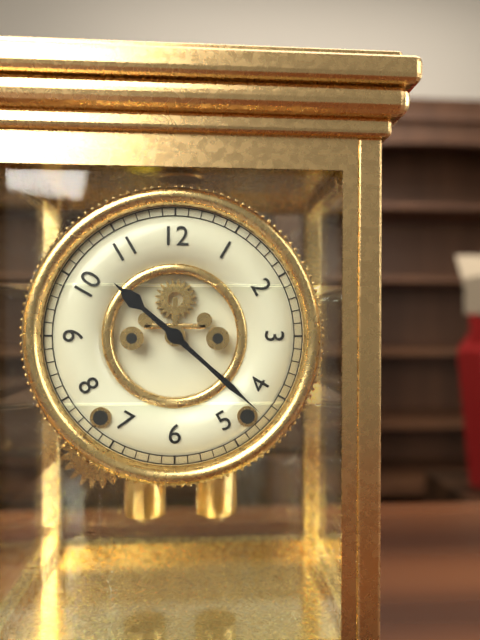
10h22
